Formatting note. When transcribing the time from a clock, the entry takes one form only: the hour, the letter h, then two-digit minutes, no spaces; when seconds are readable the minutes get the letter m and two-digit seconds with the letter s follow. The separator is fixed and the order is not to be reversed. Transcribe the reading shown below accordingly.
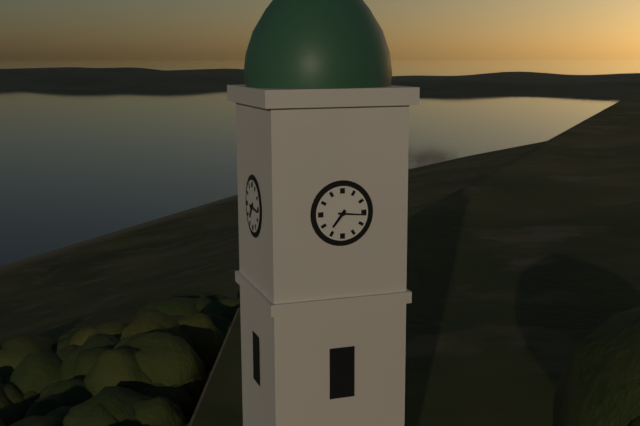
7h16
